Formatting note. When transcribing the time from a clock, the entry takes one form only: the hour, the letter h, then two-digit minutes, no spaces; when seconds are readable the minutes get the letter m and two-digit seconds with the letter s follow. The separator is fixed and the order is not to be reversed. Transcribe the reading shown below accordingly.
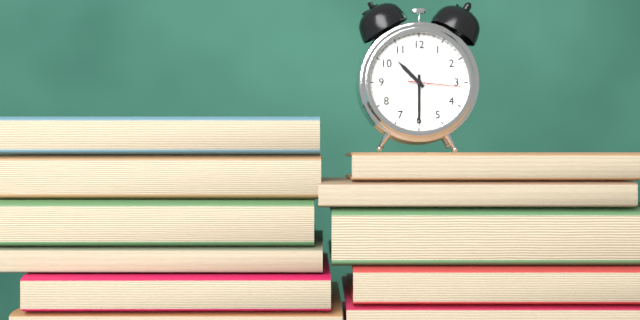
10h30m16s
